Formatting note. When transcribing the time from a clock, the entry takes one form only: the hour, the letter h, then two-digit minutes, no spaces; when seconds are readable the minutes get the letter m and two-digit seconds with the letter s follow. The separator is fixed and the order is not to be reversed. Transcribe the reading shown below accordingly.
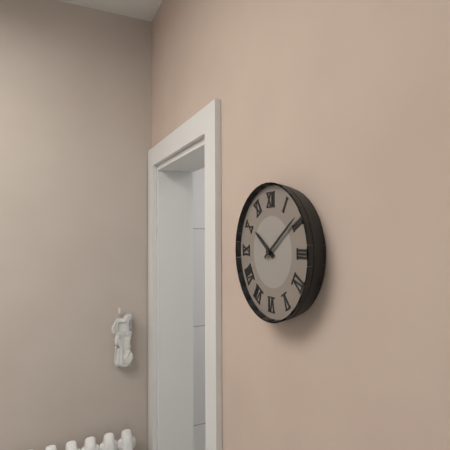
10h09
